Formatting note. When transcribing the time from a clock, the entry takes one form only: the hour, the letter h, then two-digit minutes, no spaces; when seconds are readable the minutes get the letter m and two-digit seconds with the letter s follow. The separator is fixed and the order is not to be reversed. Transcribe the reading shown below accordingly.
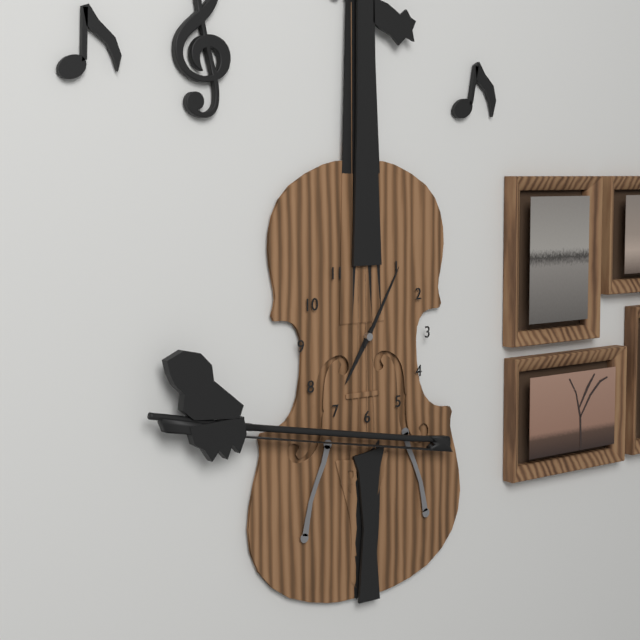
7h05
